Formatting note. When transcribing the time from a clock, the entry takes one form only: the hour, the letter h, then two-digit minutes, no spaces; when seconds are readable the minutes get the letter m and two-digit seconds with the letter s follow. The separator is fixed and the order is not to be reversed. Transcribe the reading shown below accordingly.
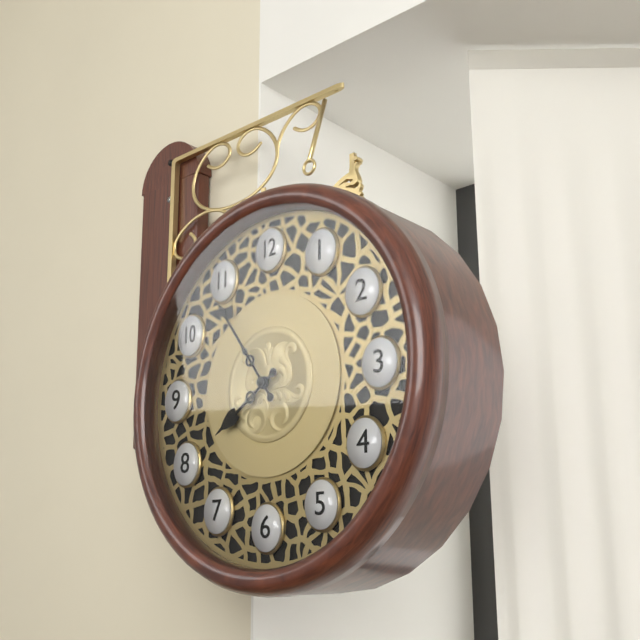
7h54
